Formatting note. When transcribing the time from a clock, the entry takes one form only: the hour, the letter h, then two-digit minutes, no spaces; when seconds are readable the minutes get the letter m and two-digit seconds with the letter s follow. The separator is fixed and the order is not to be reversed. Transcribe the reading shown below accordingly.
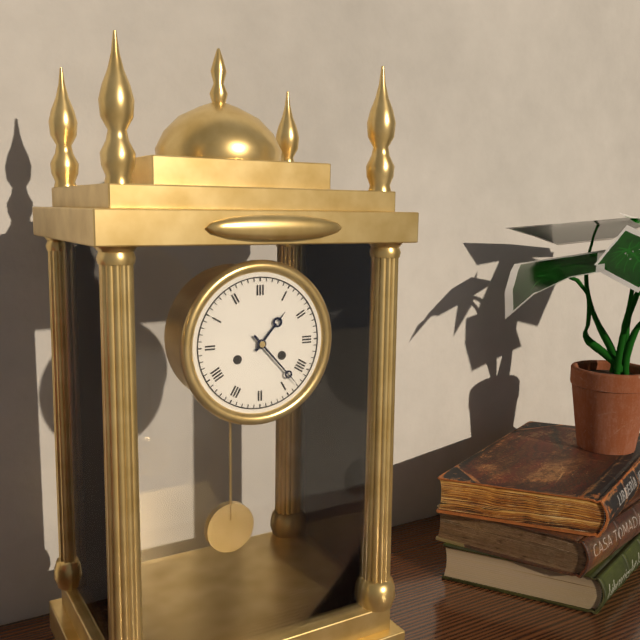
1h23
